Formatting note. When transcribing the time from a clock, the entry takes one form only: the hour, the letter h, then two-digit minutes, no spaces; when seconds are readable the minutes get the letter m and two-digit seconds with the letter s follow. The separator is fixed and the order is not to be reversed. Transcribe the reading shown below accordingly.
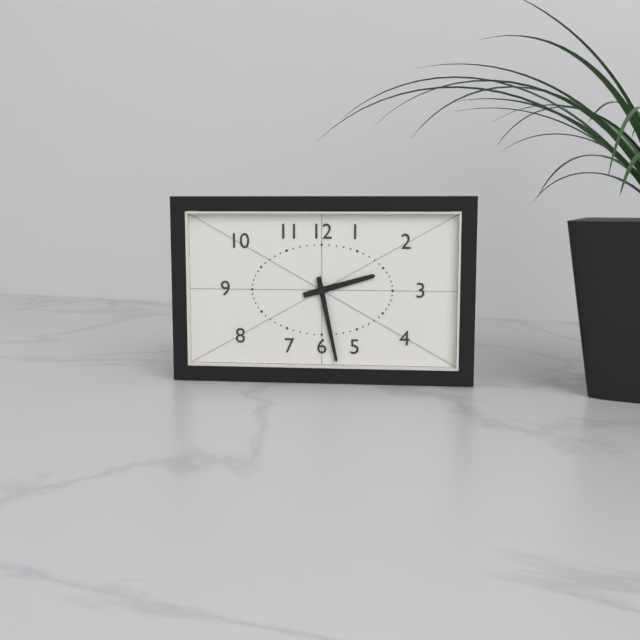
2h28
